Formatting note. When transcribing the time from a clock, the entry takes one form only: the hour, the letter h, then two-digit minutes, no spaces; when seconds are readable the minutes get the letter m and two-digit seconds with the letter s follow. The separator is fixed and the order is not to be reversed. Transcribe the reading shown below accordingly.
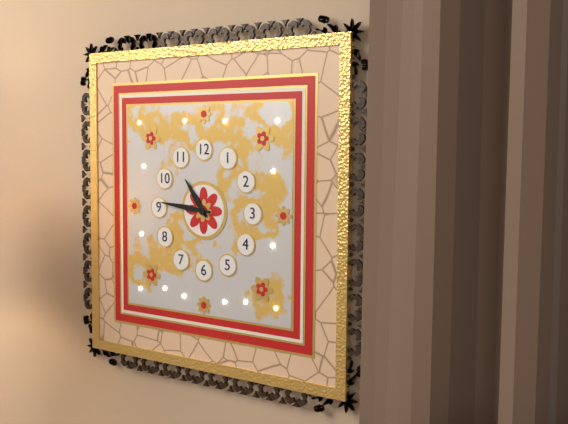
10h46
